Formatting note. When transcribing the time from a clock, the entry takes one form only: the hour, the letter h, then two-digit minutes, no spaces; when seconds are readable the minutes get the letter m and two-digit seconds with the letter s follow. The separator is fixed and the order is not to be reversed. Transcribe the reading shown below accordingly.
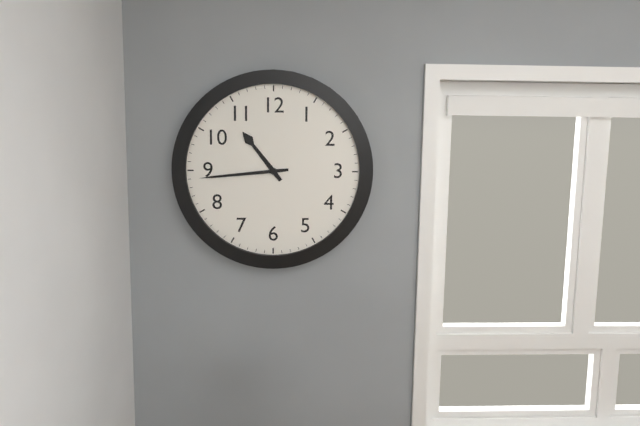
10h44
